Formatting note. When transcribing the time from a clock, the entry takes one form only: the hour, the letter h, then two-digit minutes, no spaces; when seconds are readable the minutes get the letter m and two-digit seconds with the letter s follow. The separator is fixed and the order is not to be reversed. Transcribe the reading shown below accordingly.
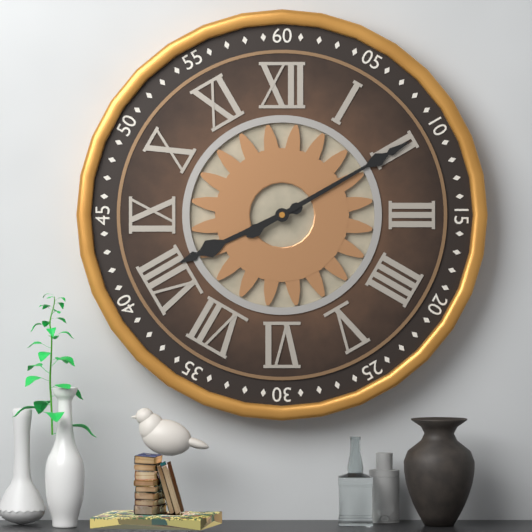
8h10
